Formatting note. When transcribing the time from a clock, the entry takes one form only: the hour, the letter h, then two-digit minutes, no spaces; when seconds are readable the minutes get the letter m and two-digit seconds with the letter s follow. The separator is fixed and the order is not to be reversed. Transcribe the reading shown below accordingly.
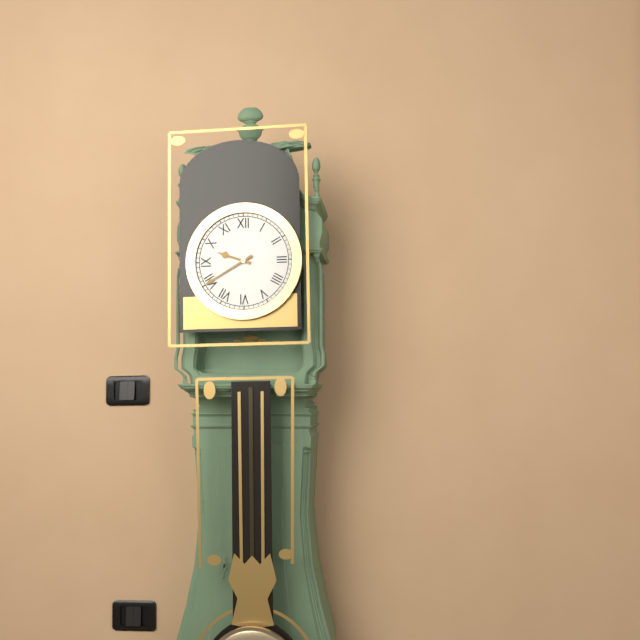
9h40
